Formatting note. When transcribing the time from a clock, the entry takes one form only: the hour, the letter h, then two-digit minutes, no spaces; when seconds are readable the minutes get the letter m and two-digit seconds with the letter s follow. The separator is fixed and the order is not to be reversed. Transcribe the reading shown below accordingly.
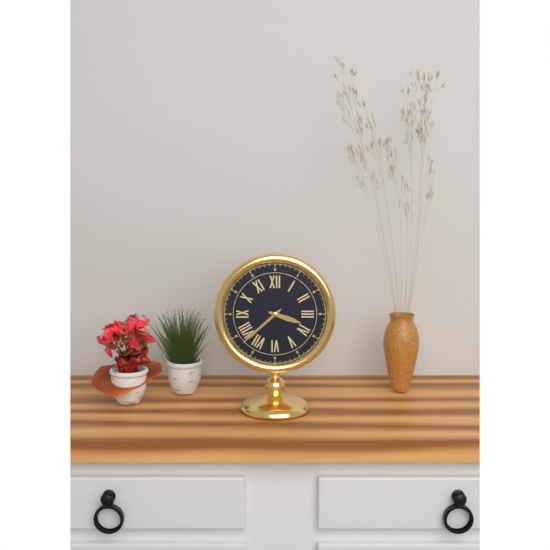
3h38
